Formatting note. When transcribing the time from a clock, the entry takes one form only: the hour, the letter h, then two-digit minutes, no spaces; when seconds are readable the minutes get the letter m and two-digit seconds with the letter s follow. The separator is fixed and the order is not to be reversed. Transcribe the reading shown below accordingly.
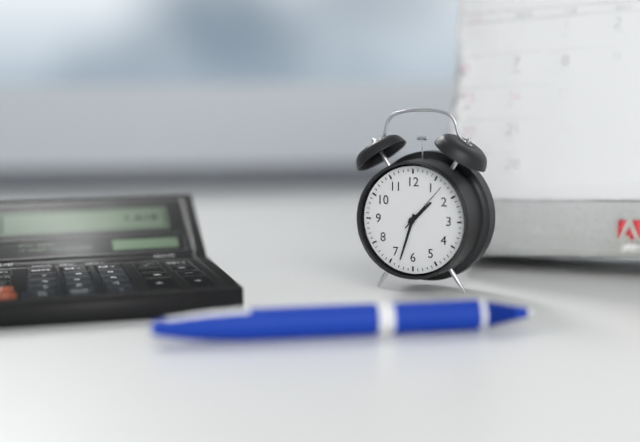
1h33m07s
